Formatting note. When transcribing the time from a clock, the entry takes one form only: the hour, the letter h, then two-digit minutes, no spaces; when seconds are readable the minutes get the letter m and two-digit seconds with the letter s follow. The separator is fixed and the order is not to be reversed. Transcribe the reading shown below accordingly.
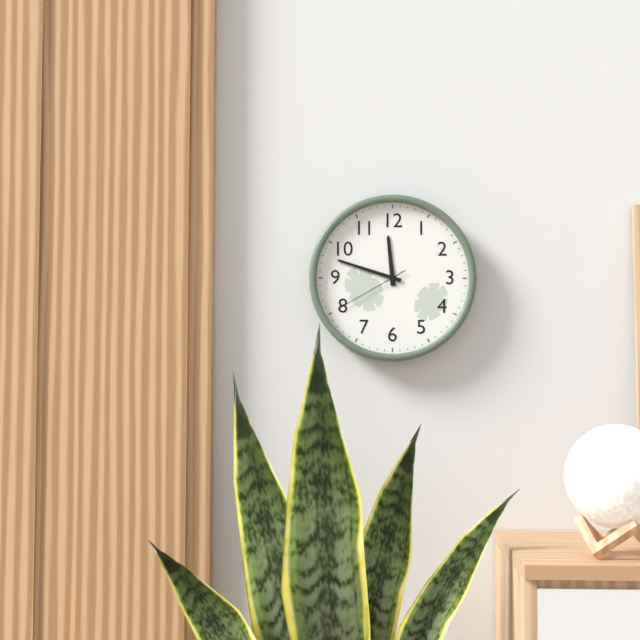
11h48m40s
